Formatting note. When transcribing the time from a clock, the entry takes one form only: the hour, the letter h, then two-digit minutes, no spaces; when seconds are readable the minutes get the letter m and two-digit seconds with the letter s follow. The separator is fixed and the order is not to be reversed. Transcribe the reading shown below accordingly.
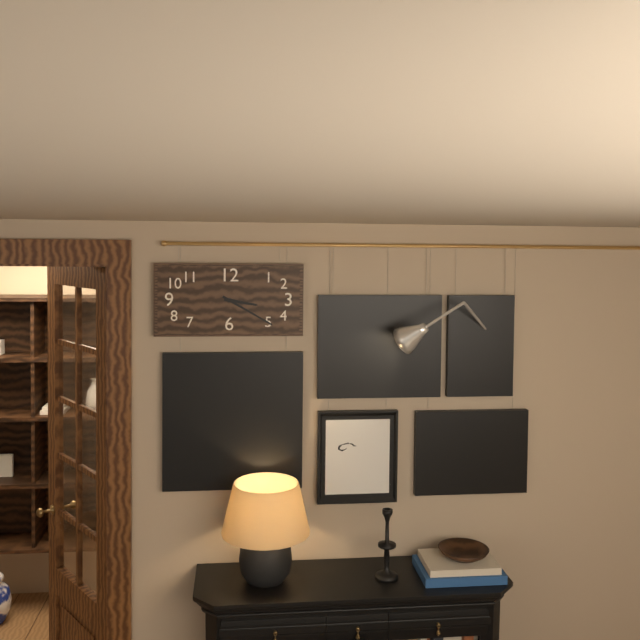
3h20
